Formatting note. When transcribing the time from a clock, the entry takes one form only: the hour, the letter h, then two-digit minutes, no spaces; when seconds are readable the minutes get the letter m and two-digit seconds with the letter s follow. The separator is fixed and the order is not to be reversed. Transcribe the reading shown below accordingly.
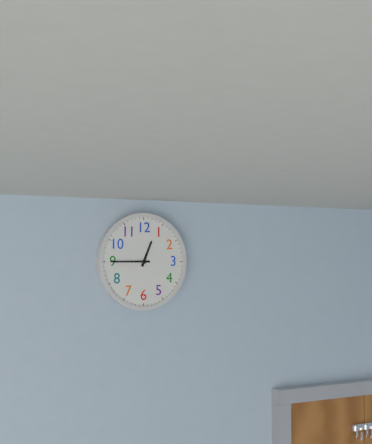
12h45
